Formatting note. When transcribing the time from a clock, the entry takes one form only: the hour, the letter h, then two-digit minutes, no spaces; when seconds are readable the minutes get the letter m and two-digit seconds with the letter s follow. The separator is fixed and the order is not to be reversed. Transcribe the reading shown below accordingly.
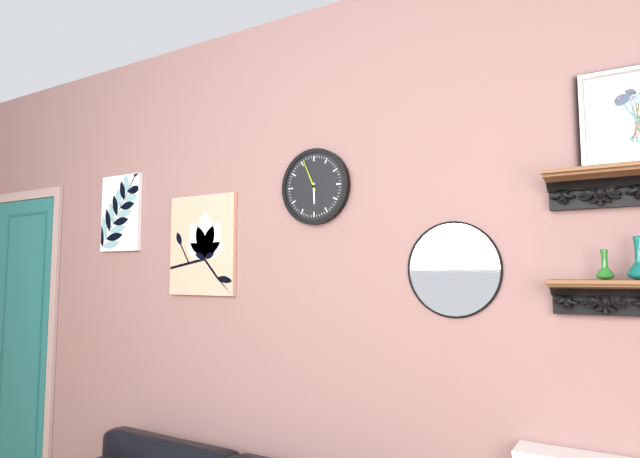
5h56
